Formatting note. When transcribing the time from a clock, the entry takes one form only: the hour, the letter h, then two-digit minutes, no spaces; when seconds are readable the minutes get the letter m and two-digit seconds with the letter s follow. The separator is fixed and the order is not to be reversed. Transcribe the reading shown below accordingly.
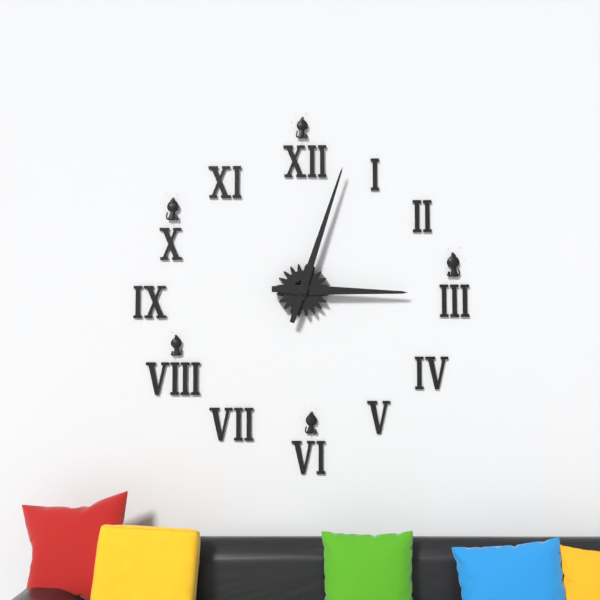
3h03
